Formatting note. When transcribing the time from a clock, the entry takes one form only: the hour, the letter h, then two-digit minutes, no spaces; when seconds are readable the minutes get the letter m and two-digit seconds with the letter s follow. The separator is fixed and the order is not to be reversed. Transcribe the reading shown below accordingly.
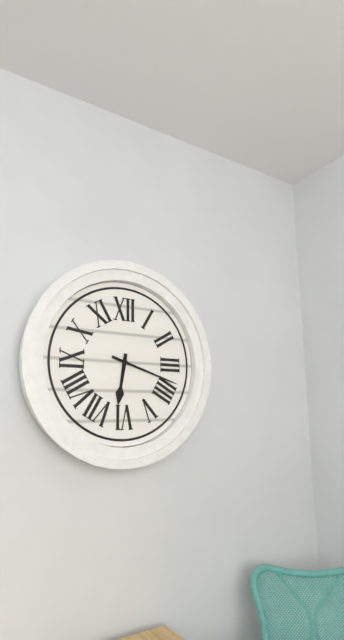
6h18
